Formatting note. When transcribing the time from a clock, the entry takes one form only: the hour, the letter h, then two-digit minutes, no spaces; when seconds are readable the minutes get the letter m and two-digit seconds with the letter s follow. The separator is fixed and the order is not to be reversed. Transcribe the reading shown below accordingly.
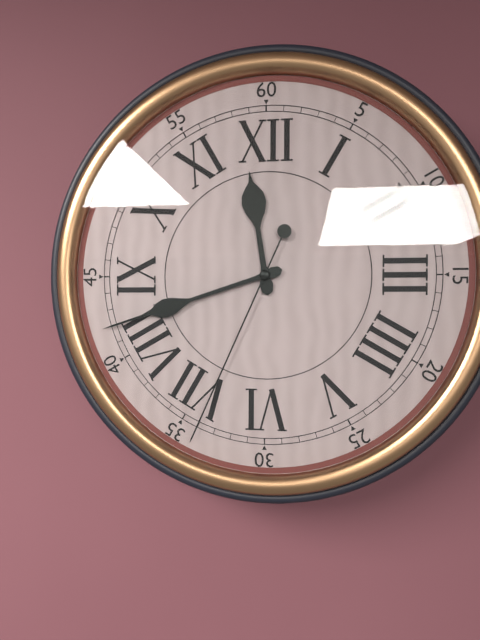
11h42m34s
